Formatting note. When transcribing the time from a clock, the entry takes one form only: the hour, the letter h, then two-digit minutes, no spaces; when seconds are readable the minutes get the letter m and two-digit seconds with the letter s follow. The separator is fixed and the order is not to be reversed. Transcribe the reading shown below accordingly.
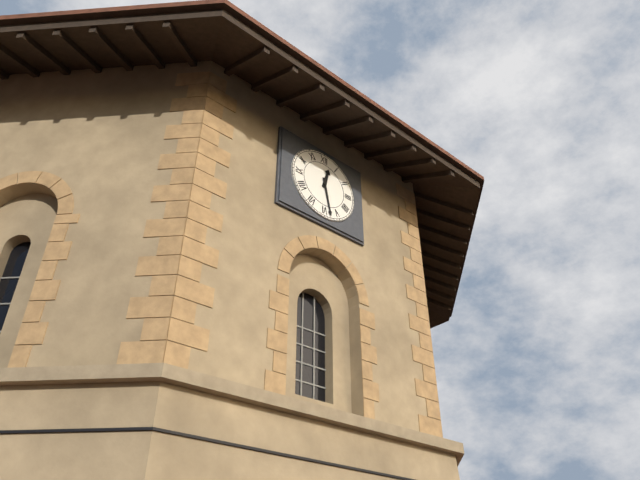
12h28
